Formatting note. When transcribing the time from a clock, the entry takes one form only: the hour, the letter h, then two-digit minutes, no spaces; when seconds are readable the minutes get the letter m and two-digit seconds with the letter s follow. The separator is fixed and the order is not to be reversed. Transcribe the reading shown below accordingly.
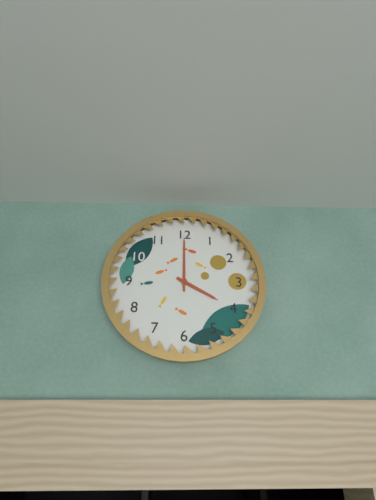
4h00
